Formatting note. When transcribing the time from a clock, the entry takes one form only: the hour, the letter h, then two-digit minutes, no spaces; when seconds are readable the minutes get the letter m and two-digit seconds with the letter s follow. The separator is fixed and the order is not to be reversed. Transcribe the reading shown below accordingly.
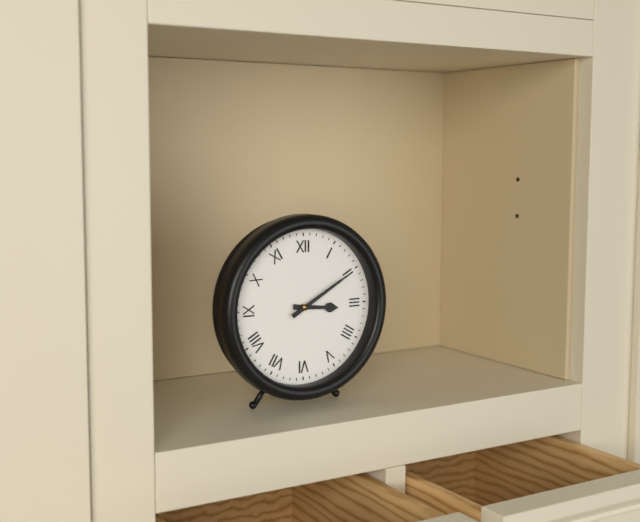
3h10
